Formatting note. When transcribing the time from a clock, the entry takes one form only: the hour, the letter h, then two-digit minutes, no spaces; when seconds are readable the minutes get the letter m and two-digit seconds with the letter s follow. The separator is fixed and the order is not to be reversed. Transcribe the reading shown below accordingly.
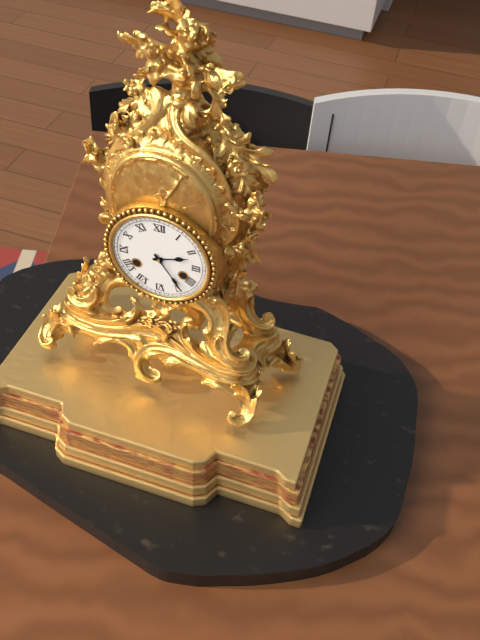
2h24
